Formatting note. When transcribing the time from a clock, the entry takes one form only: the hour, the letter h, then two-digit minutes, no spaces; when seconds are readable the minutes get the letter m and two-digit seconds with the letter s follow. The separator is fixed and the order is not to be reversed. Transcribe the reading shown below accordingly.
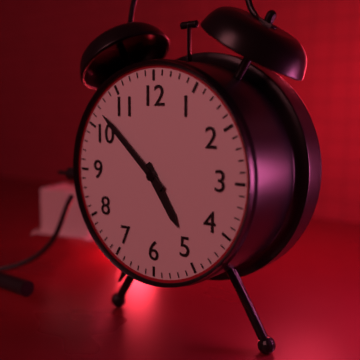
4h52
